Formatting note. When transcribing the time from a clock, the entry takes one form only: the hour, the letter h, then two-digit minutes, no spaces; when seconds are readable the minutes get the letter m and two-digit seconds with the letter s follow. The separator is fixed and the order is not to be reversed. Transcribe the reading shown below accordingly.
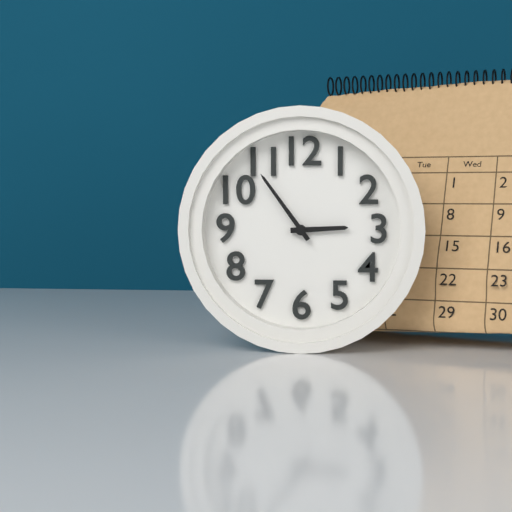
2h54
